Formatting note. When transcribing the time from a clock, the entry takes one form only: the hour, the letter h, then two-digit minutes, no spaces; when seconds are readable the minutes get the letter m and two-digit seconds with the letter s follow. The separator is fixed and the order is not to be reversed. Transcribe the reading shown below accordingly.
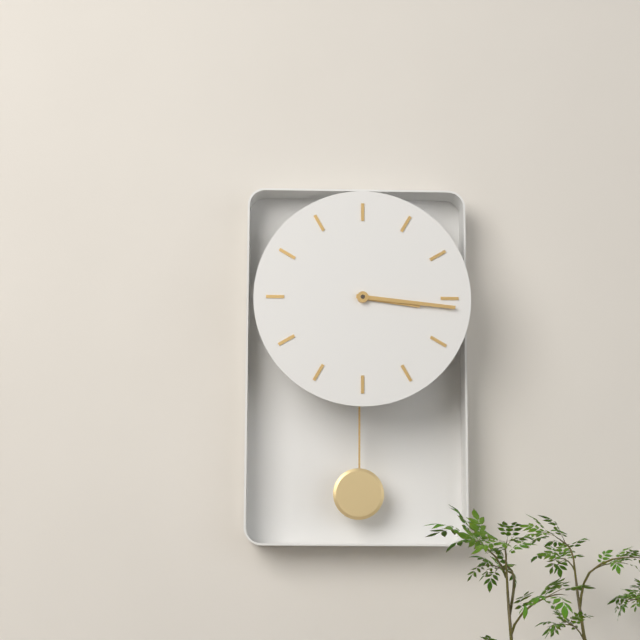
3h16
